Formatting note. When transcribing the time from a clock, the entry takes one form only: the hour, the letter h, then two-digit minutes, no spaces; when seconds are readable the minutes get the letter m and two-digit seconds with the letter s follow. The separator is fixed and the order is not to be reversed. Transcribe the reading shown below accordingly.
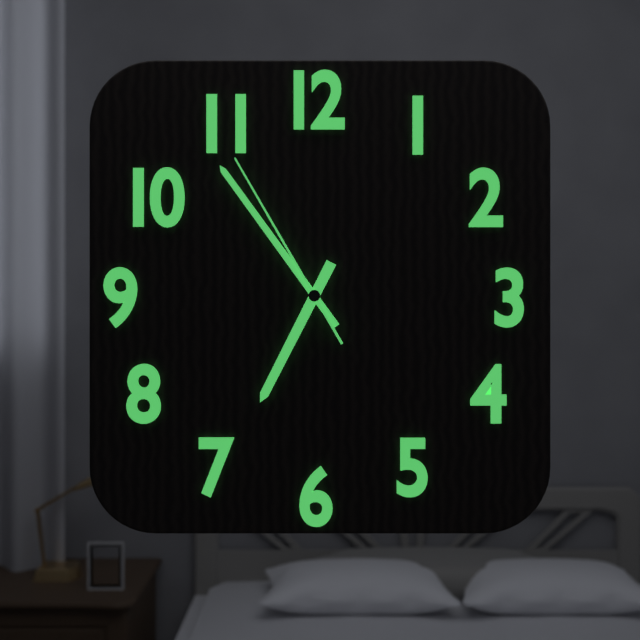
6h54m55s
